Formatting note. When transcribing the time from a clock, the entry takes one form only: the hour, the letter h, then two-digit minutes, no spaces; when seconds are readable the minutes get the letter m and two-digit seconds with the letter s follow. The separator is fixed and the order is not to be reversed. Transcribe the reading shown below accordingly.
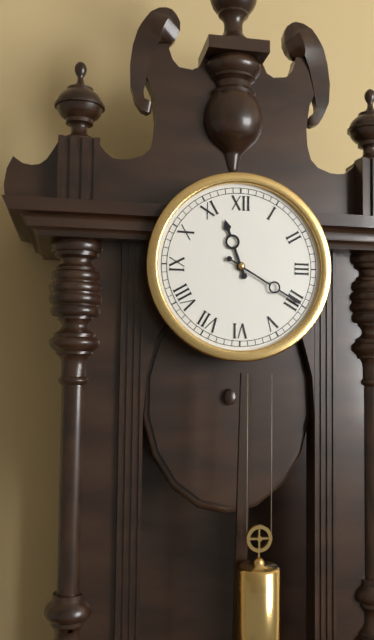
11h20
